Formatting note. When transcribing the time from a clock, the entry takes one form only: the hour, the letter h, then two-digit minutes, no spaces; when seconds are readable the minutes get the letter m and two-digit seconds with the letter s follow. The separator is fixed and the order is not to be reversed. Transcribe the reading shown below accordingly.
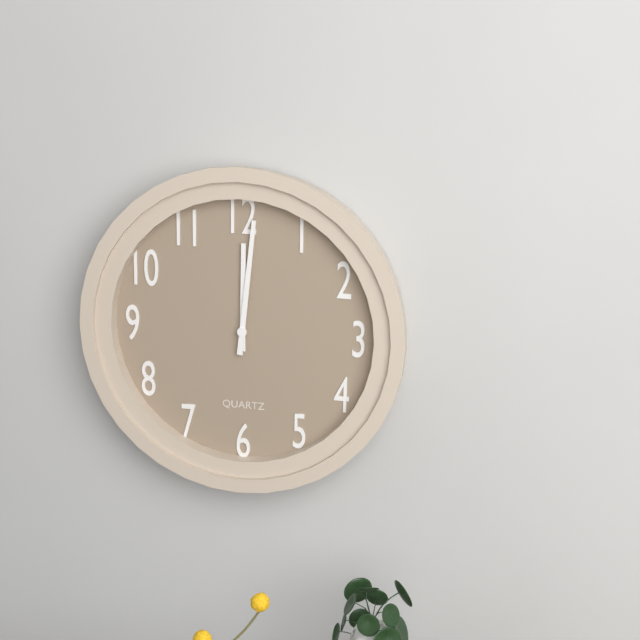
12h01
